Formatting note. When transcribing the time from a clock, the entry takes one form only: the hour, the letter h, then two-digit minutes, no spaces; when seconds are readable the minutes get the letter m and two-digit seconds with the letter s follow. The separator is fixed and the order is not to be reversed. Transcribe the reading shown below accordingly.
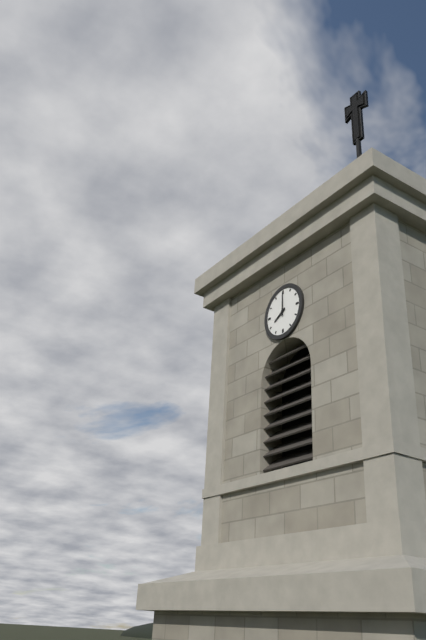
8h00
